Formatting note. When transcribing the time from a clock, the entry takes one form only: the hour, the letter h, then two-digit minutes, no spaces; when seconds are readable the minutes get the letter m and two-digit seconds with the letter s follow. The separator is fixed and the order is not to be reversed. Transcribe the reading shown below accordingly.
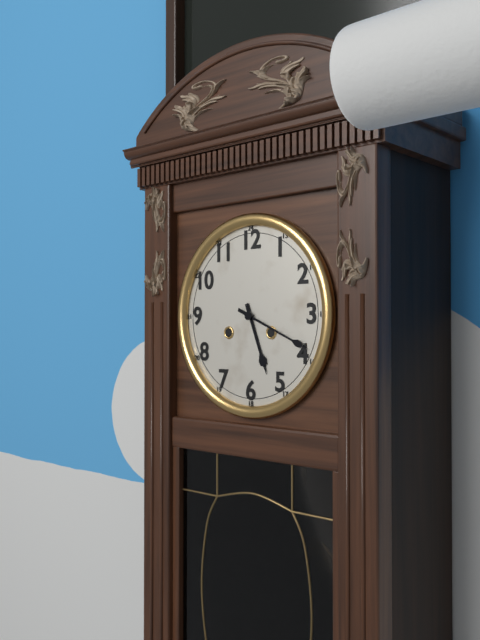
5h19
